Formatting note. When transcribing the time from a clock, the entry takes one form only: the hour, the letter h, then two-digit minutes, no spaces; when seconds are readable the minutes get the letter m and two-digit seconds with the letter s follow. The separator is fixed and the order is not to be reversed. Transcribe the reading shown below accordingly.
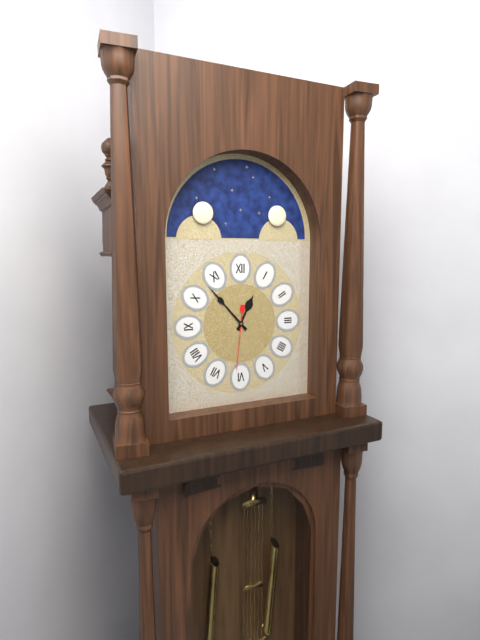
12h53m31s
